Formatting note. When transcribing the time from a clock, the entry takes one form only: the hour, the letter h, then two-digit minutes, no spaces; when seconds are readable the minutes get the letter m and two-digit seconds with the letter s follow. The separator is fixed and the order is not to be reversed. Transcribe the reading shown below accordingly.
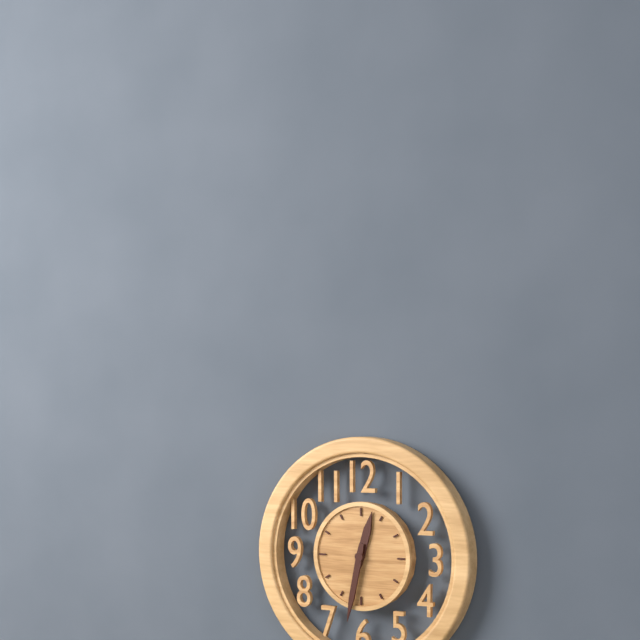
12h32
